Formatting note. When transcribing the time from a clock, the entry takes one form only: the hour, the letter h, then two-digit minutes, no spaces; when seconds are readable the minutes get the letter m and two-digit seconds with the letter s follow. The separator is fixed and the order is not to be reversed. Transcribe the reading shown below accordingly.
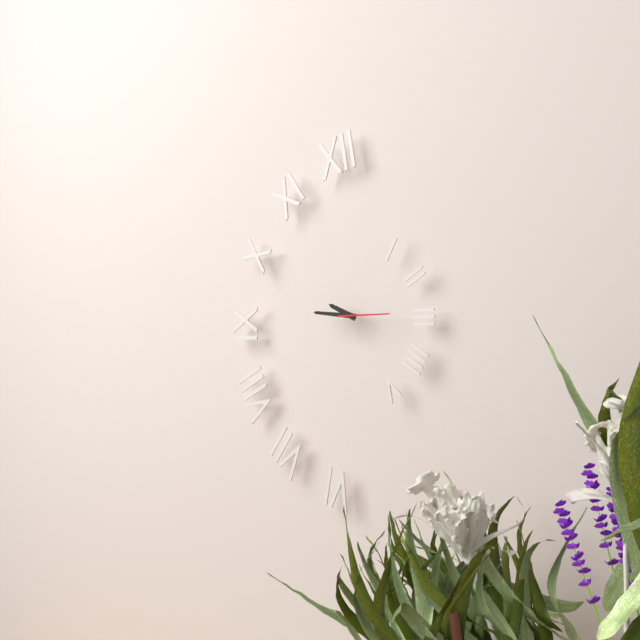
9h46m15s
